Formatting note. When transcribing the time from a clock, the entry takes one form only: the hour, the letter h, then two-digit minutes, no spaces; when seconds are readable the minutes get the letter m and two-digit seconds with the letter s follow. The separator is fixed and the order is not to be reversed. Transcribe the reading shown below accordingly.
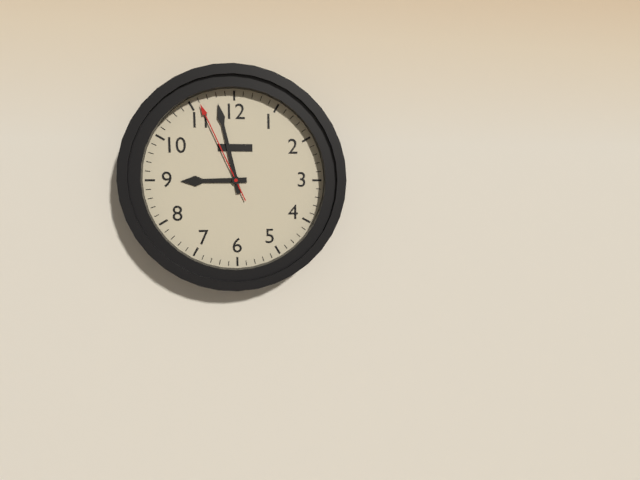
8h58m56s
